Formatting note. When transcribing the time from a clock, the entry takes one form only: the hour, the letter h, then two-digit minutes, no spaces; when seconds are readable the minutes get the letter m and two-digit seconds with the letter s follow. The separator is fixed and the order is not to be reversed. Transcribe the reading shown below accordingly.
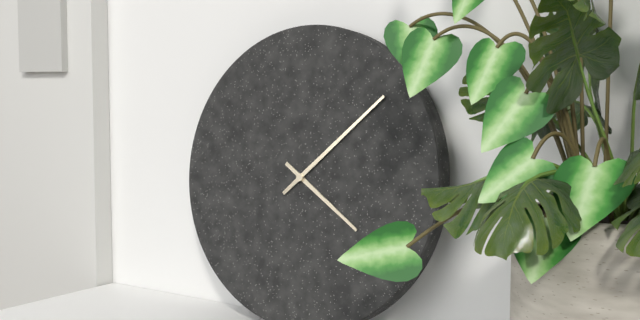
4h08
